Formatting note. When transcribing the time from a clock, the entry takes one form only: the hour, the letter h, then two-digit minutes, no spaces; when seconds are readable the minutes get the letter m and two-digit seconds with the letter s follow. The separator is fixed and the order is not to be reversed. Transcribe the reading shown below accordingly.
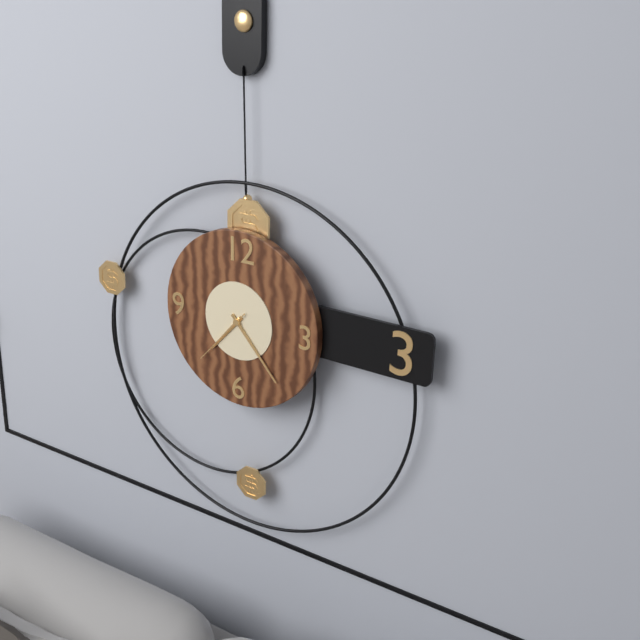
7h23m37s
